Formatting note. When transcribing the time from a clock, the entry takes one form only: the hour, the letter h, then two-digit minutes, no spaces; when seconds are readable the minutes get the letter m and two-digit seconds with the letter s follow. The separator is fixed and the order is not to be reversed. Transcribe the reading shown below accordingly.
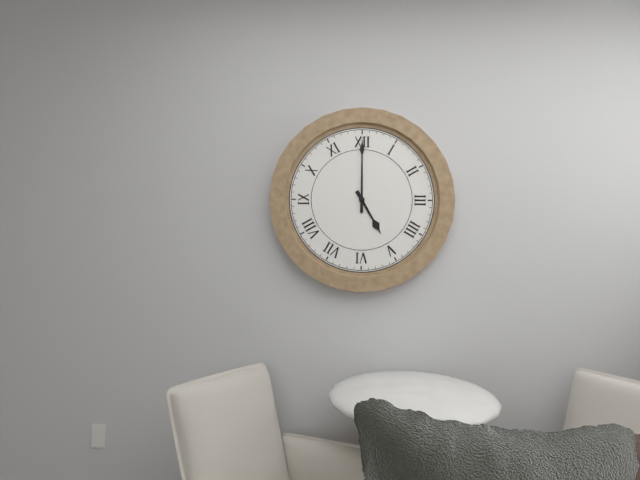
5h00
